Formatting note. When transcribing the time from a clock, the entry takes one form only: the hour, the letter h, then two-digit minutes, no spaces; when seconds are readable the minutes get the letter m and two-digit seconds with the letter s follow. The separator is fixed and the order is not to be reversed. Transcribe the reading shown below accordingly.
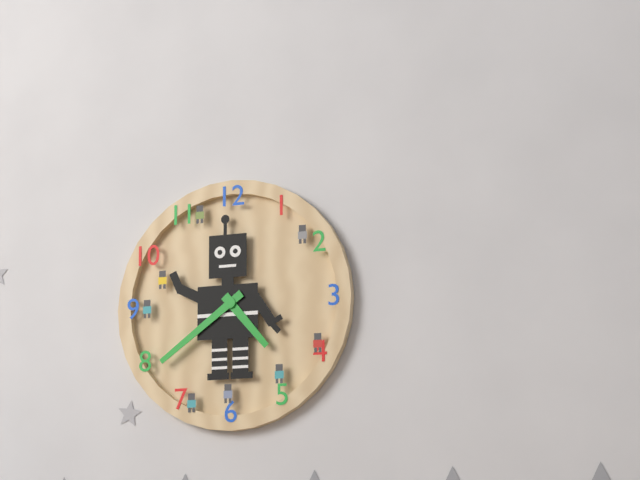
4h39
